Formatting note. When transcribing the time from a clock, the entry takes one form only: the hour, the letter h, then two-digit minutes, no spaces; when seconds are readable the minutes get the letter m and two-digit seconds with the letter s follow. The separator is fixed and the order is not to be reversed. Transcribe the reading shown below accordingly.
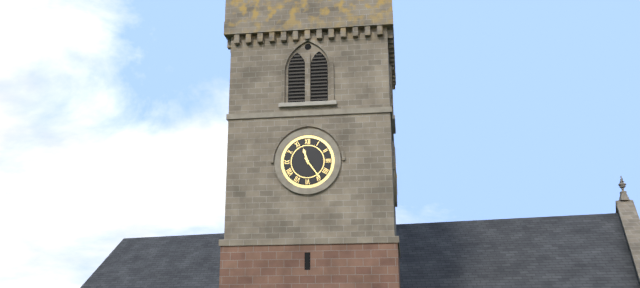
11h24
